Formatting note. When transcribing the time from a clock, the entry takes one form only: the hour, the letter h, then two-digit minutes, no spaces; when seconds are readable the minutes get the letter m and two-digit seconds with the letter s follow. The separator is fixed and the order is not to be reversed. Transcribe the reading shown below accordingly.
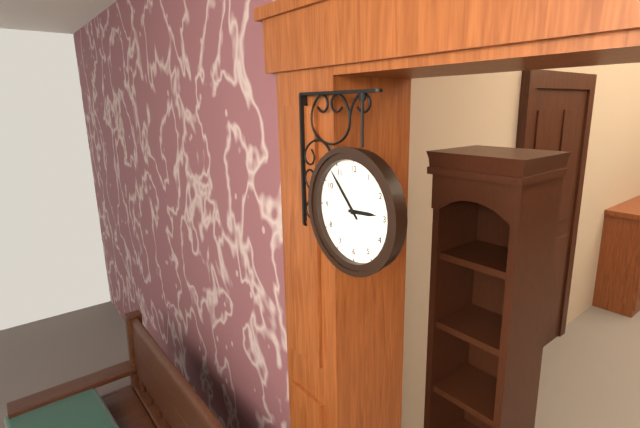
2h53
